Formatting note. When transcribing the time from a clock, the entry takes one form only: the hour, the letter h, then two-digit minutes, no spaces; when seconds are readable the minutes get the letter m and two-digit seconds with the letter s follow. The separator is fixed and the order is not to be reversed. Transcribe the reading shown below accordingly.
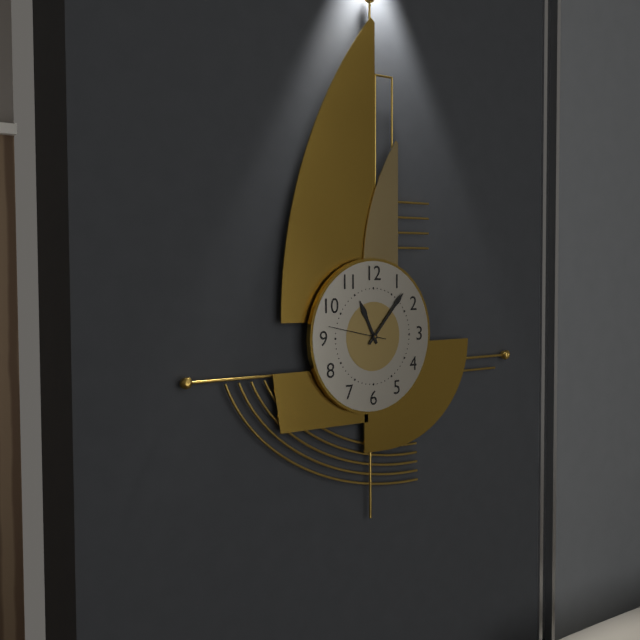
11h07m47s
